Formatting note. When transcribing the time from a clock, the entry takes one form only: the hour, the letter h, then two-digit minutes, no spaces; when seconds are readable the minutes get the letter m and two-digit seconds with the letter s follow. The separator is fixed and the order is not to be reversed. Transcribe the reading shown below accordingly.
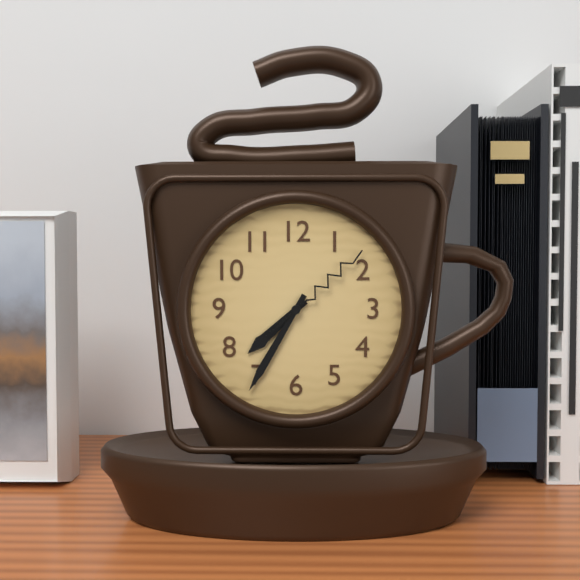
7h35m08s
